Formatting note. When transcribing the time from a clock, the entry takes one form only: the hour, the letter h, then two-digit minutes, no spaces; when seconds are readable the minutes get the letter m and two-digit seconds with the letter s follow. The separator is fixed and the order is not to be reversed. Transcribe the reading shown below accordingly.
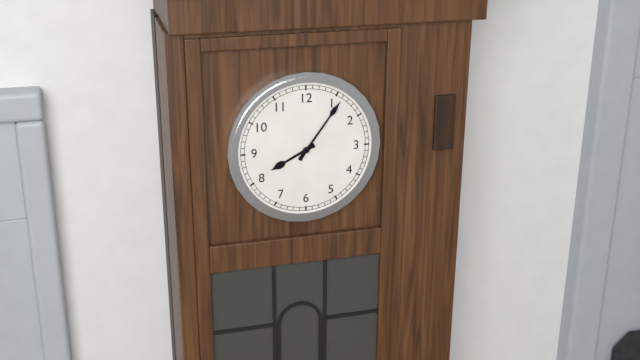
8h06
